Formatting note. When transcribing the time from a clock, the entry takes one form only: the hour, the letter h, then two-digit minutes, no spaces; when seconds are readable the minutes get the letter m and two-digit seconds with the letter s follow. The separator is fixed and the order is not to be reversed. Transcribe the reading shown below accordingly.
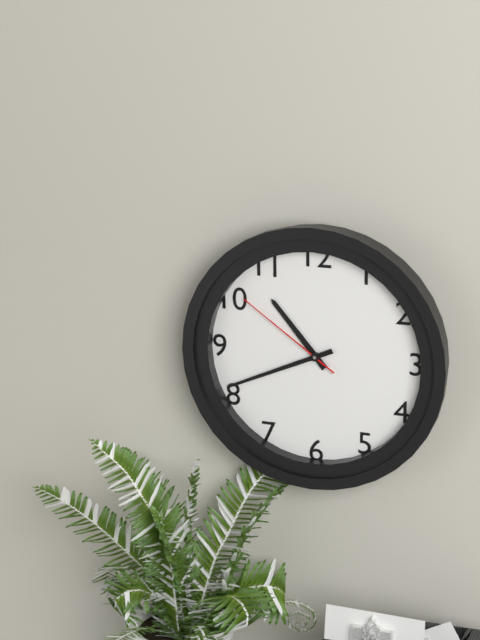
10h41m51s
